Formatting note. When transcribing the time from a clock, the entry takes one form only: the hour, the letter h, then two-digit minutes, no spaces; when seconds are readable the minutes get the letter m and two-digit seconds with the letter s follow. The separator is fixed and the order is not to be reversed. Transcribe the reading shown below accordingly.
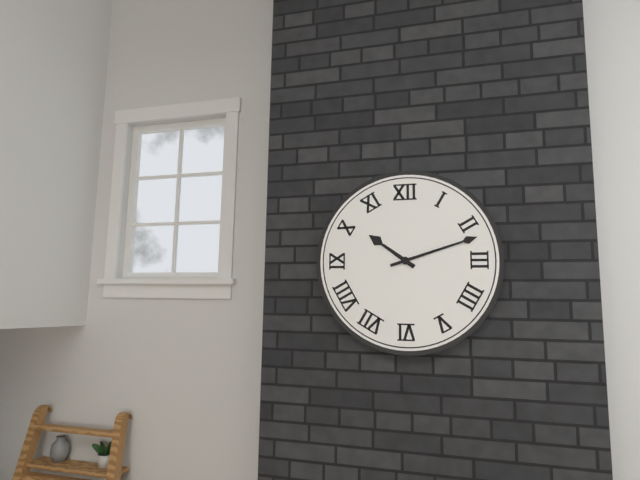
10h12
